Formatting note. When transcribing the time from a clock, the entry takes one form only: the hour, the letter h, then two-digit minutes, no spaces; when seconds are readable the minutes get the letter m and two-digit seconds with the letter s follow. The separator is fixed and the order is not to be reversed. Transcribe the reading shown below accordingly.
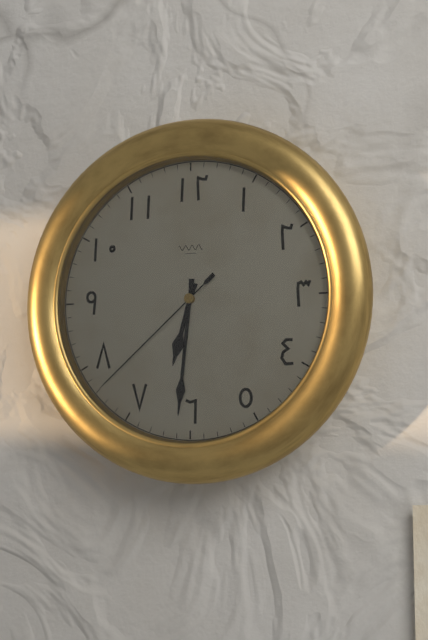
6h31m38s
